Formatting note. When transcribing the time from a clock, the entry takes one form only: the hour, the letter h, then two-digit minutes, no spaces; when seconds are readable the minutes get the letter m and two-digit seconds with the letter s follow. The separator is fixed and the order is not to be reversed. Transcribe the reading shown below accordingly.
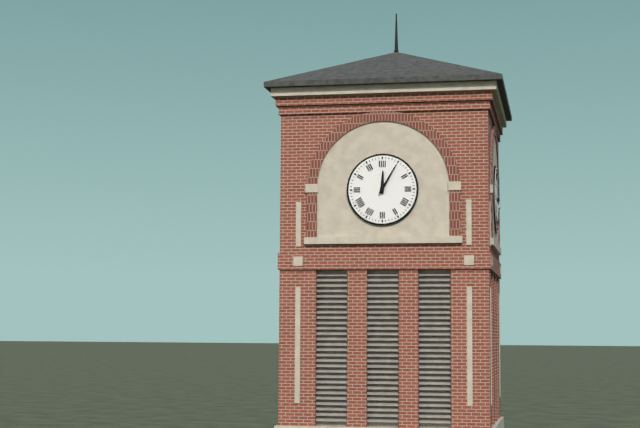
12h05
